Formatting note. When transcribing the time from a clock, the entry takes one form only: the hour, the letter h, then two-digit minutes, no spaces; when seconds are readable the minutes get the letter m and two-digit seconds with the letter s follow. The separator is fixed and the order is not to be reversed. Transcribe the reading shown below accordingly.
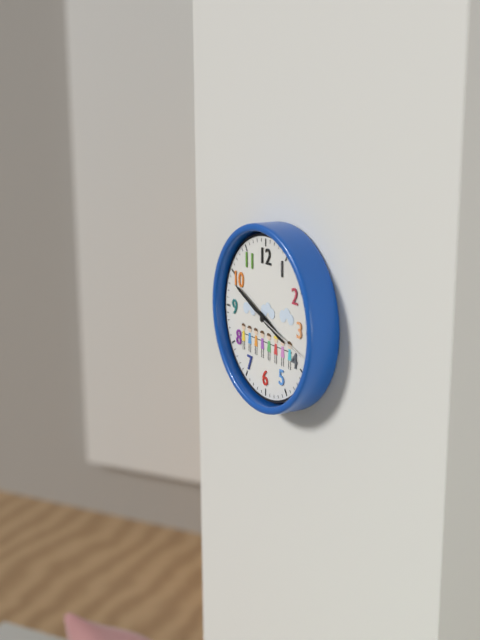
3h49m18s
